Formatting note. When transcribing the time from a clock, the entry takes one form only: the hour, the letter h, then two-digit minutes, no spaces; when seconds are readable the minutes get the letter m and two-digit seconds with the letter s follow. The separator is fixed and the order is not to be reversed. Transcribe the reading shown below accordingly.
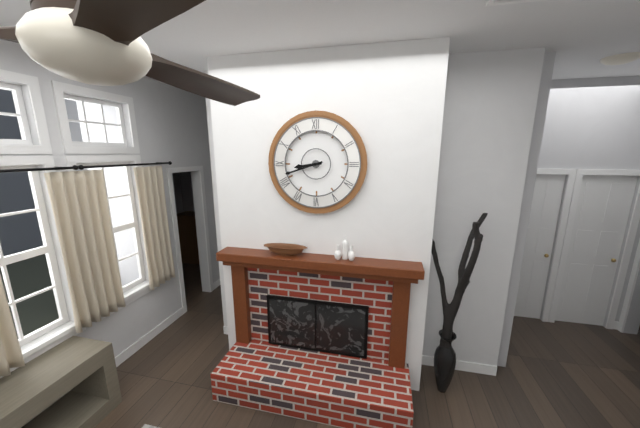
8h42
